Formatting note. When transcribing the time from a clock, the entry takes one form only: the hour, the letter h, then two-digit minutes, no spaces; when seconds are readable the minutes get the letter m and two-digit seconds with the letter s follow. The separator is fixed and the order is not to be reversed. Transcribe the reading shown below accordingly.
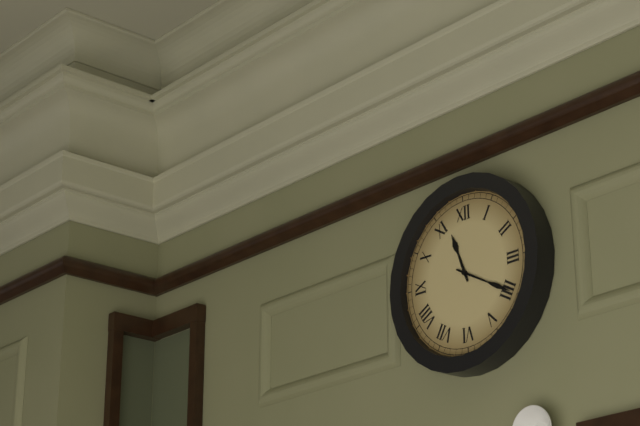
11h20
